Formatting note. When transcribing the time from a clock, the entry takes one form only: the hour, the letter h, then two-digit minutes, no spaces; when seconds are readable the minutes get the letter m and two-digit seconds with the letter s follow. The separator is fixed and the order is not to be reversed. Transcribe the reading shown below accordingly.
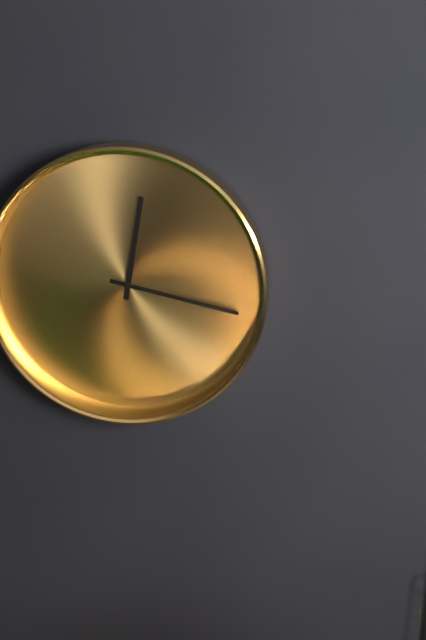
12h17
